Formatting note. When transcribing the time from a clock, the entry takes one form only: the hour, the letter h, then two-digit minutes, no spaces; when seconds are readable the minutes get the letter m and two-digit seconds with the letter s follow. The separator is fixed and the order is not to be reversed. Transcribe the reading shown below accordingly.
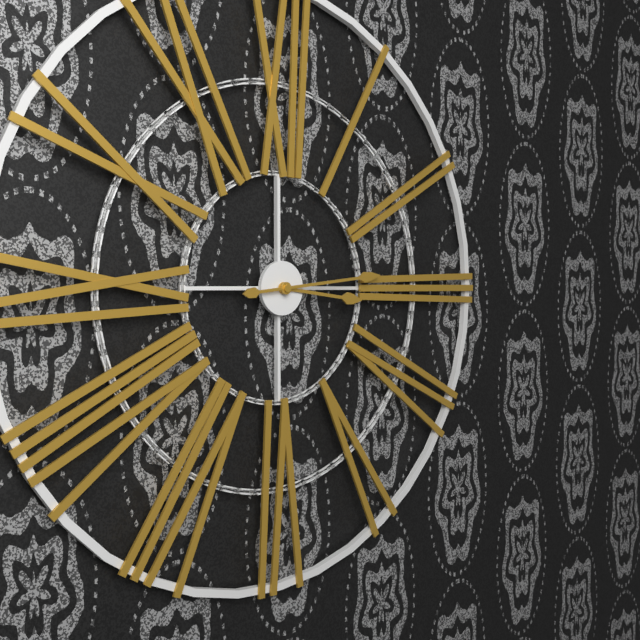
3h14
